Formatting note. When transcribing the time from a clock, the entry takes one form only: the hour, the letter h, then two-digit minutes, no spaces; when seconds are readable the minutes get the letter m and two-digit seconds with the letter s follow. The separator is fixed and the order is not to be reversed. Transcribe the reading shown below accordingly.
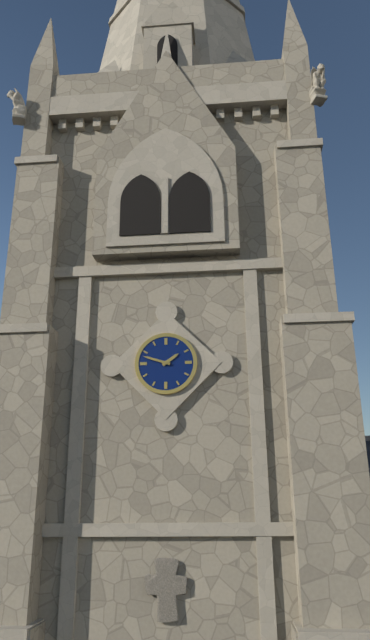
1h48
